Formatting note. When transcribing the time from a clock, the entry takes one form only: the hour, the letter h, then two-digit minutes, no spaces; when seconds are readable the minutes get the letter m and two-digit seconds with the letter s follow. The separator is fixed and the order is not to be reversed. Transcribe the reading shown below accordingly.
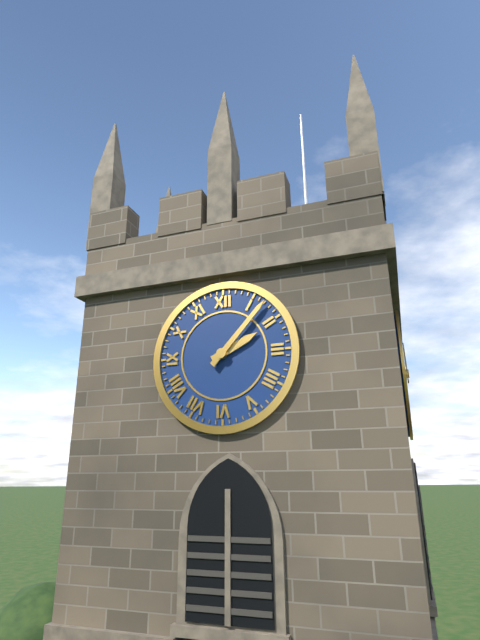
2h07
